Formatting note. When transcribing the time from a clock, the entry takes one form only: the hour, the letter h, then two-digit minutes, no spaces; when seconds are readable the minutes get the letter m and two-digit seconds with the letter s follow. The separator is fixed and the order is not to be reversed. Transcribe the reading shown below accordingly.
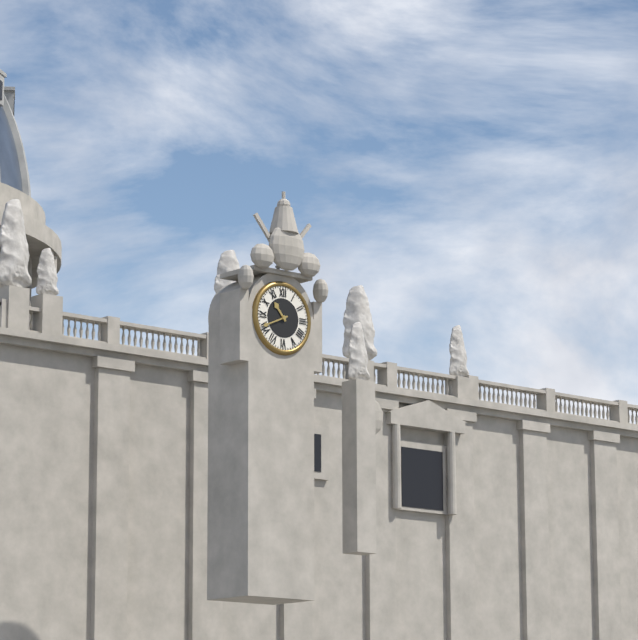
10h41
